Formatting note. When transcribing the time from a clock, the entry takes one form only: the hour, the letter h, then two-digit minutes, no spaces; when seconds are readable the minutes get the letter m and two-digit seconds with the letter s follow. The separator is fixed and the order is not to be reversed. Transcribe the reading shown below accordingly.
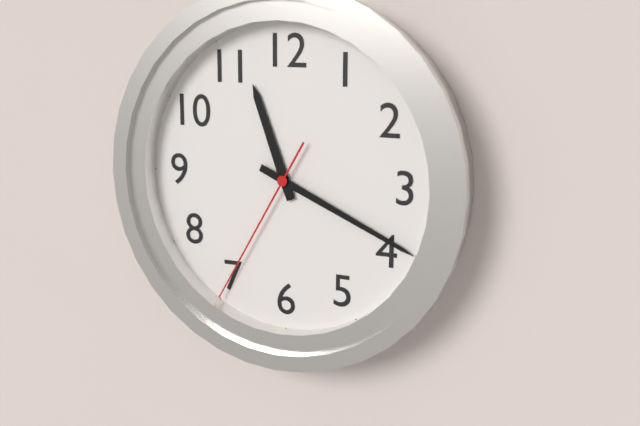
11h19m35s
